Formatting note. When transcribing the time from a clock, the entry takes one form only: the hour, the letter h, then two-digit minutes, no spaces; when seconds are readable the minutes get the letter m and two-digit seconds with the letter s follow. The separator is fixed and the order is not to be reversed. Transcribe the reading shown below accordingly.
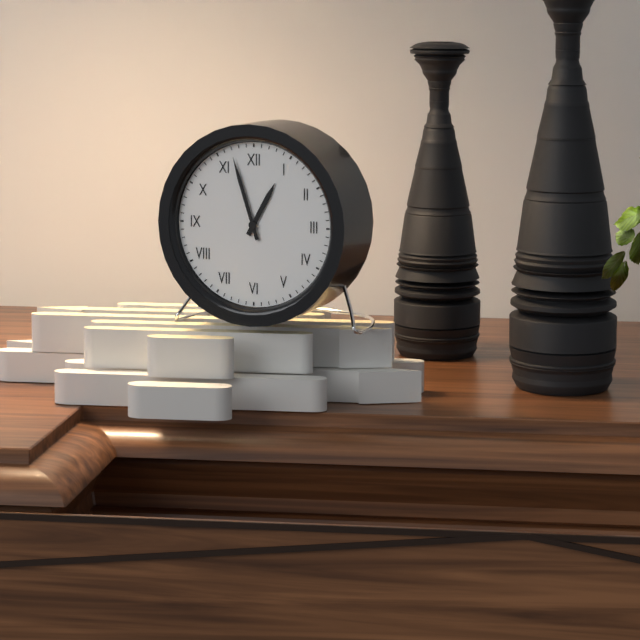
12h57
